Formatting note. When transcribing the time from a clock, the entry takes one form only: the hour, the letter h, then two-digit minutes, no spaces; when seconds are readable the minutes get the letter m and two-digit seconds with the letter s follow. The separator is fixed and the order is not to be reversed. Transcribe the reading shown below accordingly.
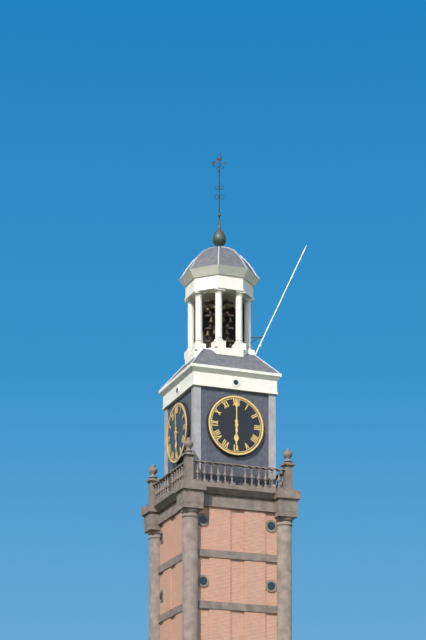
6h00
